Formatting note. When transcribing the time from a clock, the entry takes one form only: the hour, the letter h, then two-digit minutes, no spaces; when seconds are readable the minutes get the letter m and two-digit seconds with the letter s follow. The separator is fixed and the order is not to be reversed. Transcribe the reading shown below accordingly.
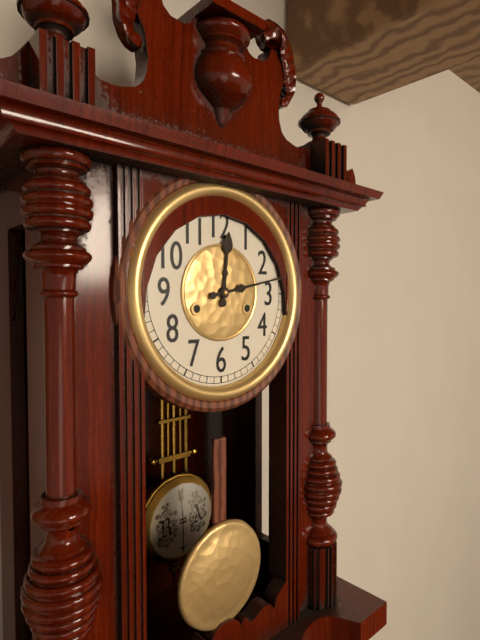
12h13
